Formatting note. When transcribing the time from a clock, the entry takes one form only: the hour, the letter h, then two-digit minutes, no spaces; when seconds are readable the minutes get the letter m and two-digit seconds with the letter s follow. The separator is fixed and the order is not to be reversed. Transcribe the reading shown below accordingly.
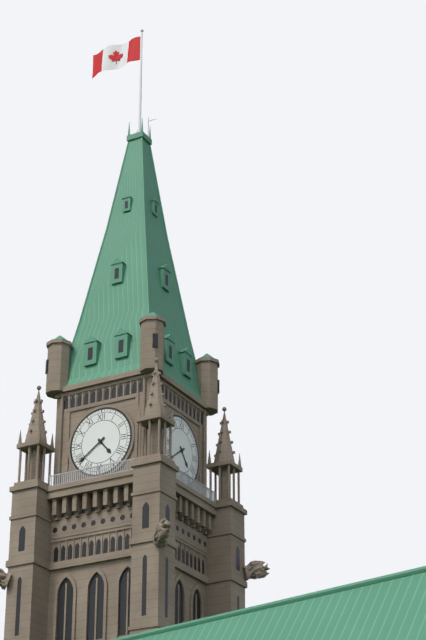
4h39
